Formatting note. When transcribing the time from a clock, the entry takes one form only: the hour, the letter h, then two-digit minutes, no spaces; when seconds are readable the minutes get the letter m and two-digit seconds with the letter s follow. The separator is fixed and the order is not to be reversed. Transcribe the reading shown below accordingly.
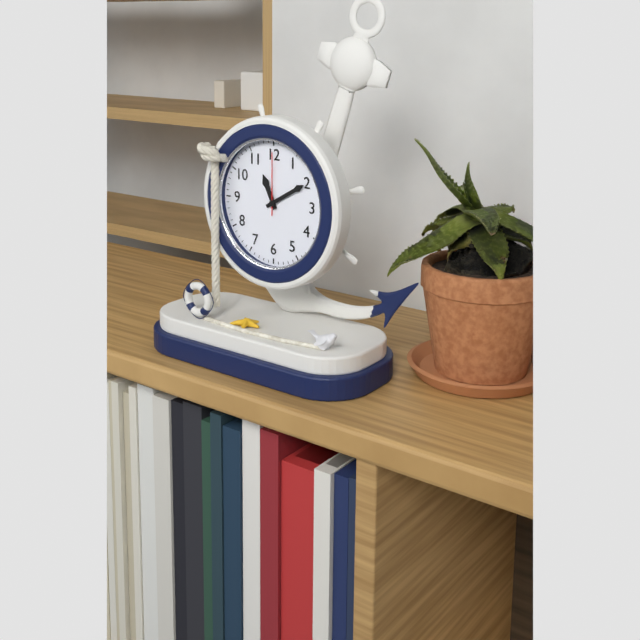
11h10m00s
